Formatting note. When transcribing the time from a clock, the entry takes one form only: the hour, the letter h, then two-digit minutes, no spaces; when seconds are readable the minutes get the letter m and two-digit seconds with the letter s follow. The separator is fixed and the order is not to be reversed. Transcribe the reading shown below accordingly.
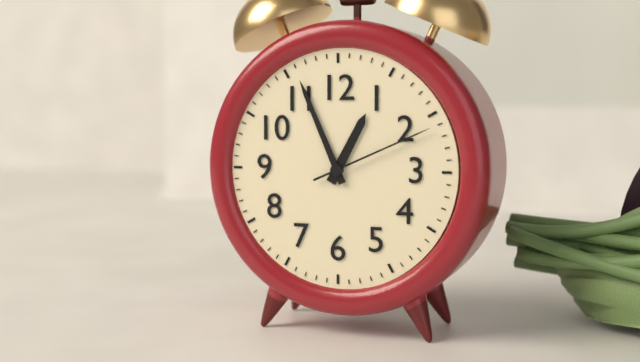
12h56m11s
